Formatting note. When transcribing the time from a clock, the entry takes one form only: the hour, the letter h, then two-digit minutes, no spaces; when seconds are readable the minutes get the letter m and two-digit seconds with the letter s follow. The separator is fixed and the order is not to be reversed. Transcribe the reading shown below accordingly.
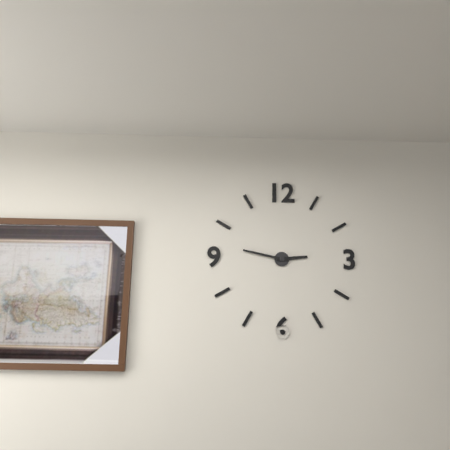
2h47
